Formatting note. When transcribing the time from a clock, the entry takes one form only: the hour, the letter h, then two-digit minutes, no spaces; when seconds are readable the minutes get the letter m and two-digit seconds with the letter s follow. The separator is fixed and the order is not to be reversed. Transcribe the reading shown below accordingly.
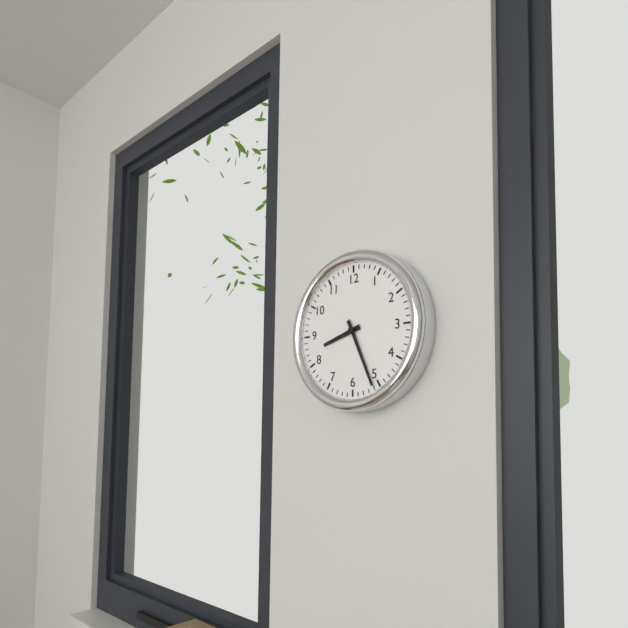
8h26
